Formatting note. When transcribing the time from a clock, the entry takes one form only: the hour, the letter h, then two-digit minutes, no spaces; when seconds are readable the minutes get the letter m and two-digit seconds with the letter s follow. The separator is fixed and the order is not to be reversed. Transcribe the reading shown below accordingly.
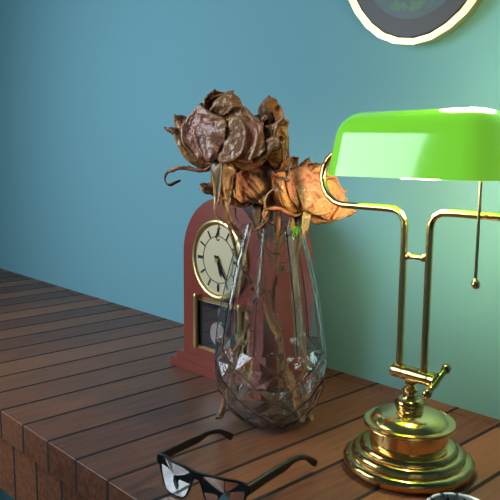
5h24
